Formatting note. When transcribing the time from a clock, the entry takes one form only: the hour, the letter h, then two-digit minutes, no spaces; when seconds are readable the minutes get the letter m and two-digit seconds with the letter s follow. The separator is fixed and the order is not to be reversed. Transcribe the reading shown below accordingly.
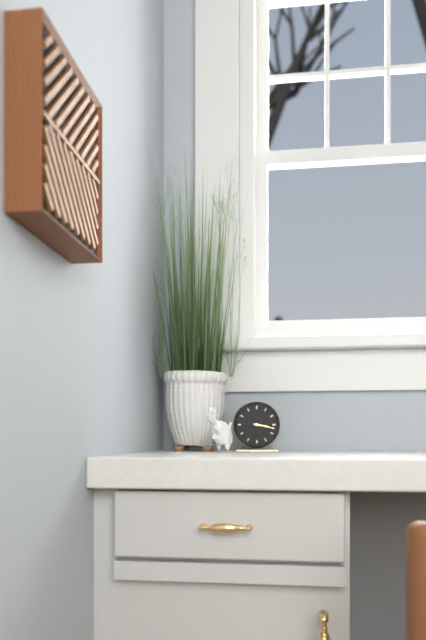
3h17
